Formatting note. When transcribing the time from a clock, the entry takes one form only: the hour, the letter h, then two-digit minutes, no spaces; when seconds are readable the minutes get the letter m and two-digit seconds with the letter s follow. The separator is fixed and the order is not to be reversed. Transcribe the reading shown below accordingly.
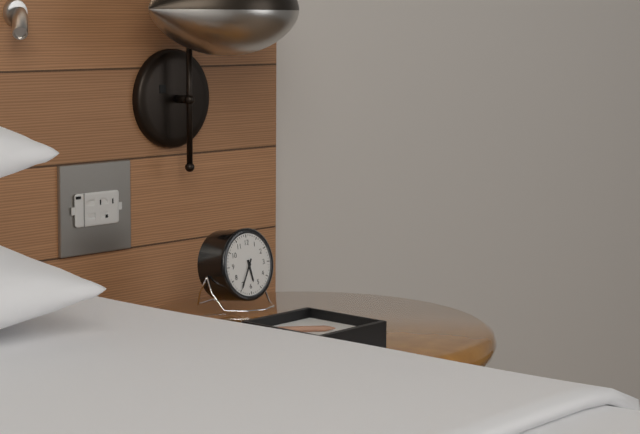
5h35
